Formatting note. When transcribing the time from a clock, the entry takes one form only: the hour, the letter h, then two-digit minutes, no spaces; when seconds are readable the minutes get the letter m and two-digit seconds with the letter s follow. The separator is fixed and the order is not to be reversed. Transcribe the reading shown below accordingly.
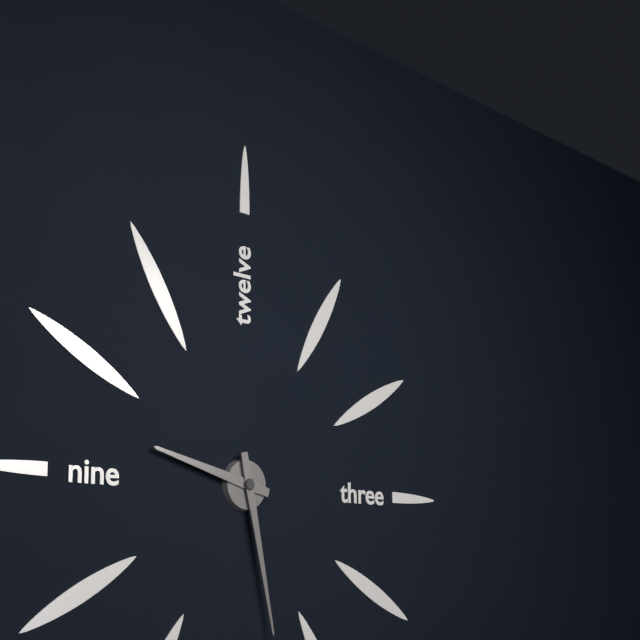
9h28
